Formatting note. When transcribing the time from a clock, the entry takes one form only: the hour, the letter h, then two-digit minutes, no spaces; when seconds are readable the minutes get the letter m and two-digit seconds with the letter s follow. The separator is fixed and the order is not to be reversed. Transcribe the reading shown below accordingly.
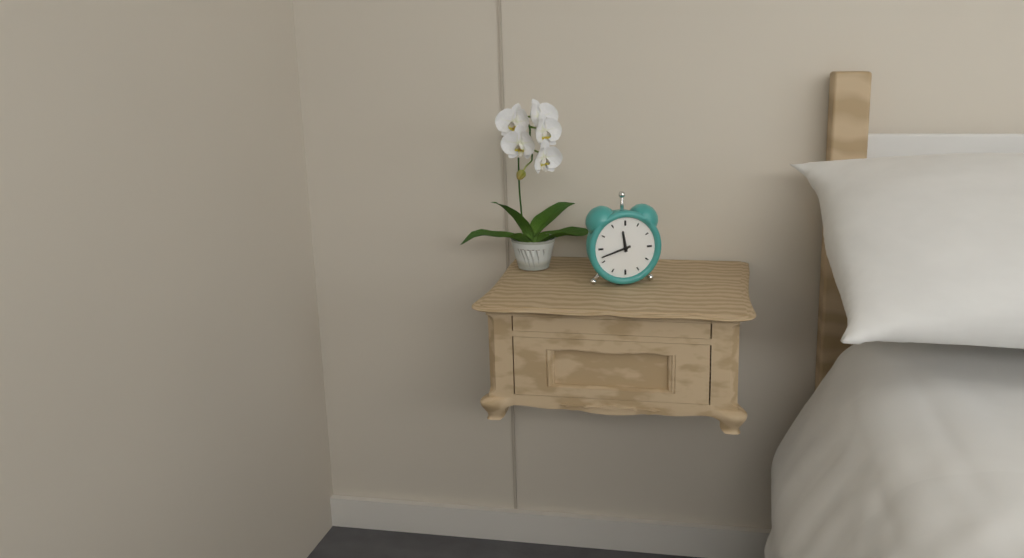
11h42
